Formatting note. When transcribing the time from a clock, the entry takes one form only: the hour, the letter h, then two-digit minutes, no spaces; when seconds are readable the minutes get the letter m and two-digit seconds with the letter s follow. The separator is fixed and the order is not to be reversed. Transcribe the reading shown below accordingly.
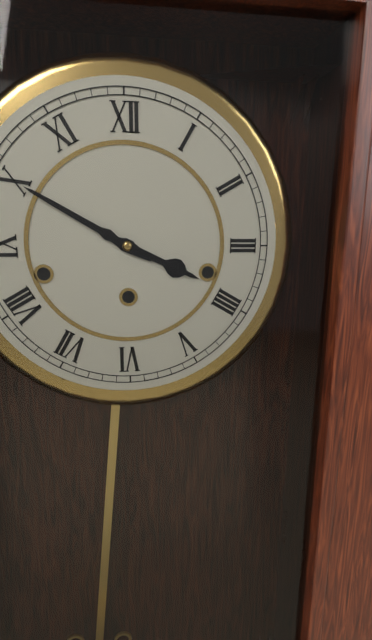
3h50
